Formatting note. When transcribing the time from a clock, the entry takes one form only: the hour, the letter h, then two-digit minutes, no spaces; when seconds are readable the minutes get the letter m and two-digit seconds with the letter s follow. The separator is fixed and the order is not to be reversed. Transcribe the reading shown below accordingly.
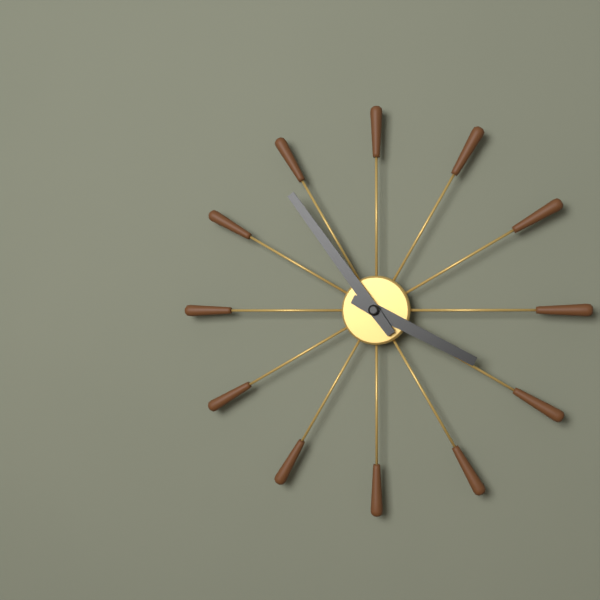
3h54
